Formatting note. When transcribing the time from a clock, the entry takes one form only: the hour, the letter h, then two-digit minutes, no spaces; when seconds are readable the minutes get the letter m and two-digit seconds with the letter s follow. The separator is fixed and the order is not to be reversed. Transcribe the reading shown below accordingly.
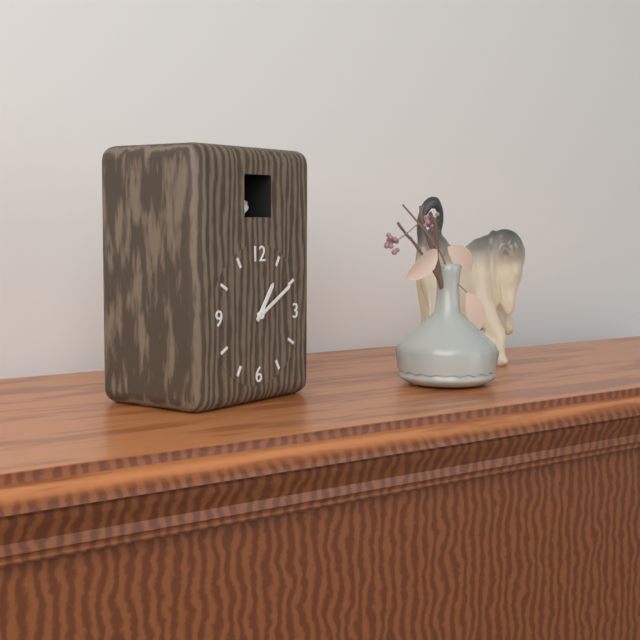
1h10
